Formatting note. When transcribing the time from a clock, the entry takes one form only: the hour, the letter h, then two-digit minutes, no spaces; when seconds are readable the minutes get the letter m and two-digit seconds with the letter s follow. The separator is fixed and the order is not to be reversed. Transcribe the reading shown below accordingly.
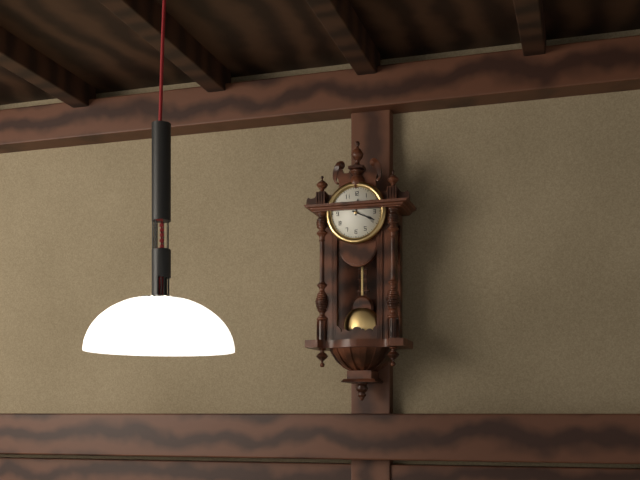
12h19
